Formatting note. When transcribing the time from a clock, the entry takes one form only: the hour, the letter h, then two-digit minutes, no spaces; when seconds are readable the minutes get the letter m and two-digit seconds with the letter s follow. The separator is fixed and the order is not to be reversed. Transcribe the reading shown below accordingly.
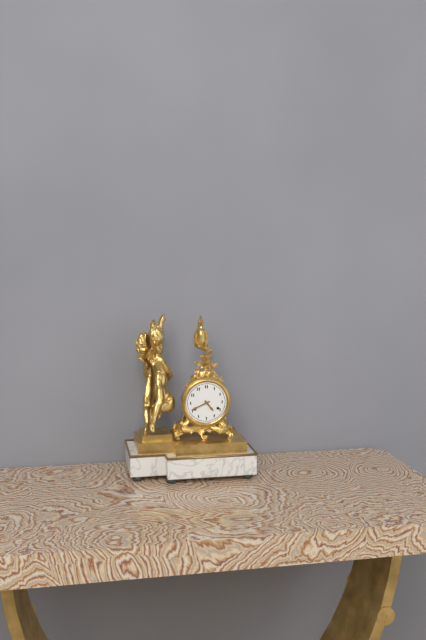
4h41
